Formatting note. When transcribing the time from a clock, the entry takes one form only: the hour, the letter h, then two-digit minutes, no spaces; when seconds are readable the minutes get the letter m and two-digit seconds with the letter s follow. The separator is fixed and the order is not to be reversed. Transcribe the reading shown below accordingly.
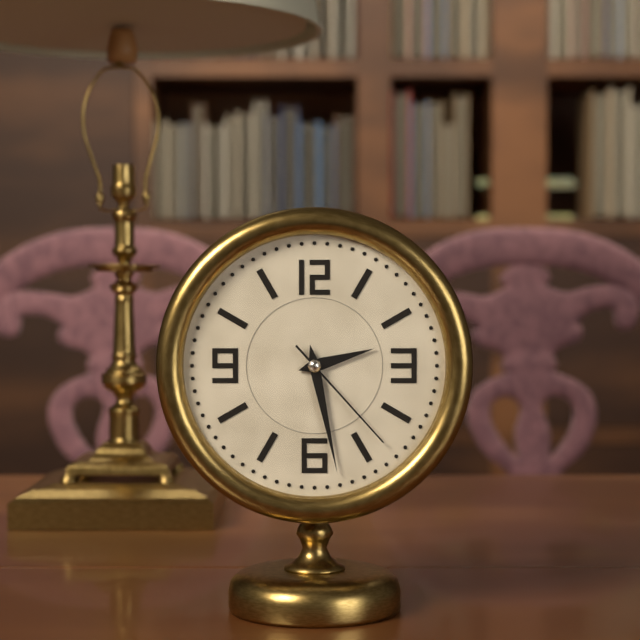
2h28m23s
